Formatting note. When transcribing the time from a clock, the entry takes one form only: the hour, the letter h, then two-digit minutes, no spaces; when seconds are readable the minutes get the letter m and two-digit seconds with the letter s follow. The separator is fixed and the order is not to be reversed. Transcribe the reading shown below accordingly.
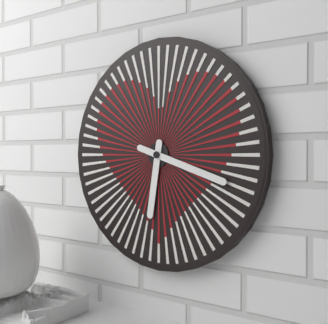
6h18
